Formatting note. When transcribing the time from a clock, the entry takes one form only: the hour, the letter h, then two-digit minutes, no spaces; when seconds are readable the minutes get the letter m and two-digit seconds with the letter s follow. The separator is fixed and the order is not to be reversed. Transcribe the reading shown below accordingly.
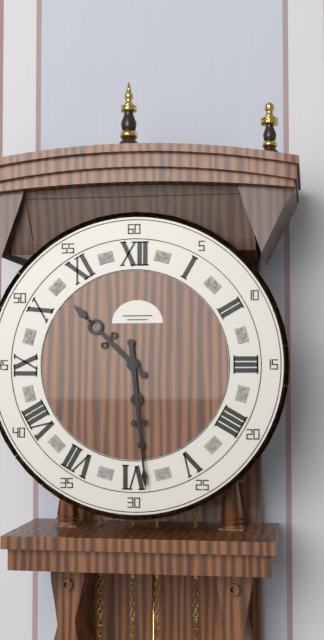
10h29
